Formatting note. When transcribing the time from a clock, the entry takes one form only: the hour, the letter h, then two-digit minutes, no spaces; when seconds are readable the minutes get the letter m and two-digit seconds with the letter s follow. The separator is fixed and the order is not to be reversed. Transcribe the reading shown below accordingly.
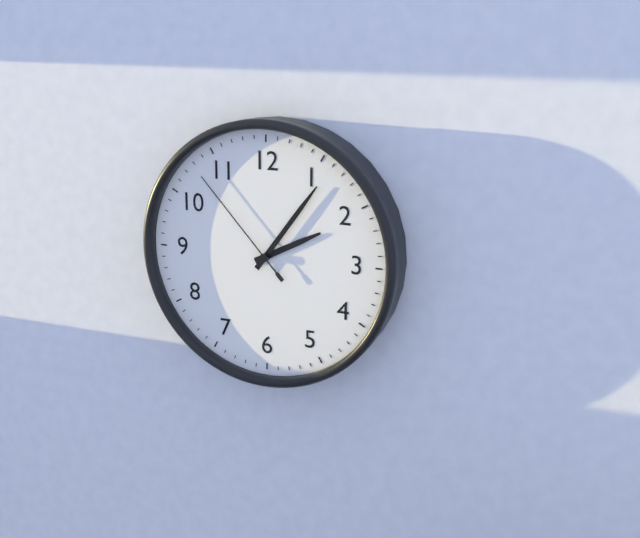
2h06m53s
